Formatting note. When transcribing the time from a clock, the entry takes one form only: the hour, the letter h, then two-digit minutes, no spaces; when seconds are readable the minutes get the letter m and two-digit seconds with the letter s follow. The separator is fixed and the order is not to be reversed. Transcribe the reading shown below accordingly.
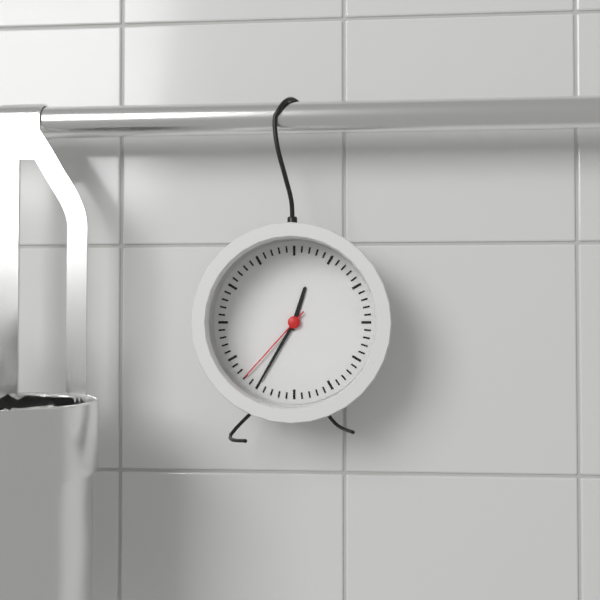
12h35m37s
